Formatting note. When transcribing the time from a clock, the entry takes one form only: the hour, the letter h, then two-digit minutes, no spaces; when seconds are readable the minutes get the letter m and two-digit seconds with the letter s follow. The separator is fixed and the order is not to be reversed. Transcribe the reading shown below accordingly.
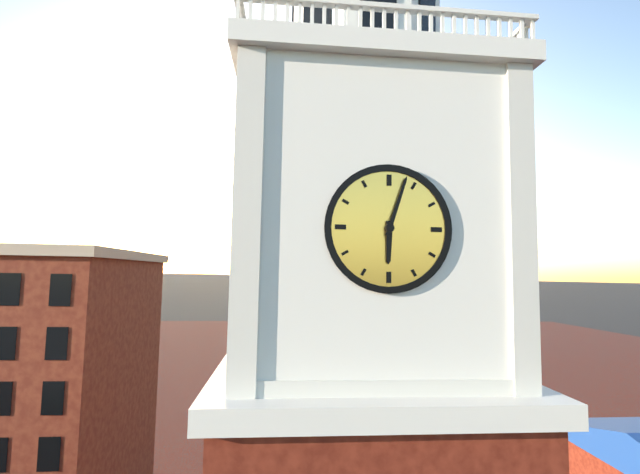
6h03
